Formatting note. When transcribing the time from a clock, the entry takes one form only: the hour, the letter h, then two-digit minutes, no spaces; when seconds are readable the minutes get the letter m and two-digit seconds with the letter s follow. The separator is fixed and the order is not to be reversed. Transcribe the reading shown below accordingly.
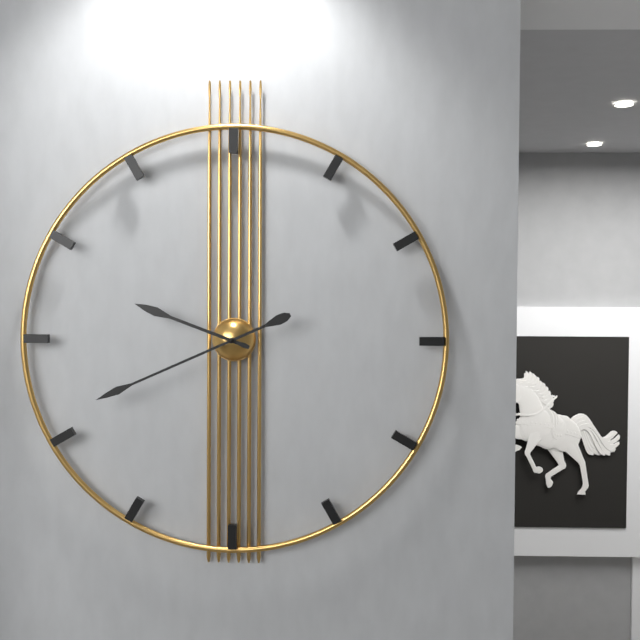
9h41
